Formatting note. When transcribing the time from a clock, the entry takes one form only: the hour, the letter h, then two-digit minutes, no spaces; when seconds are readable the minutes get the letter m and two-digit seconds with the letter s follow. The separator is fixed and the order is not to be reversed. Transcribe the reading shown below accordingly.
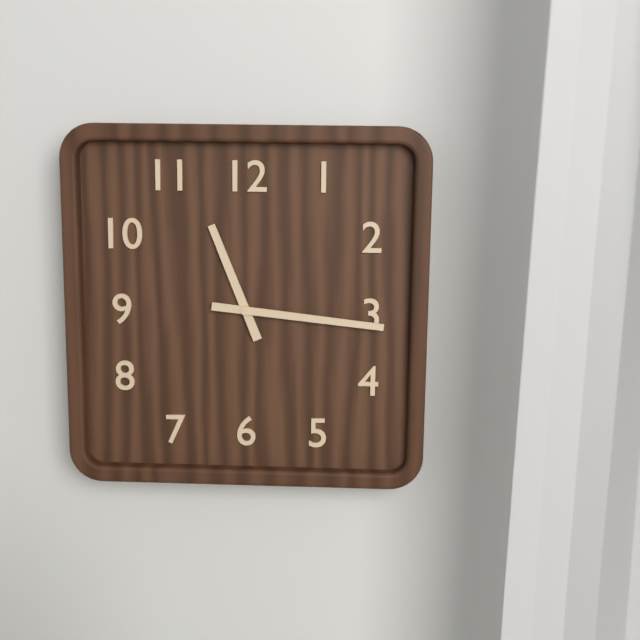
11h16
